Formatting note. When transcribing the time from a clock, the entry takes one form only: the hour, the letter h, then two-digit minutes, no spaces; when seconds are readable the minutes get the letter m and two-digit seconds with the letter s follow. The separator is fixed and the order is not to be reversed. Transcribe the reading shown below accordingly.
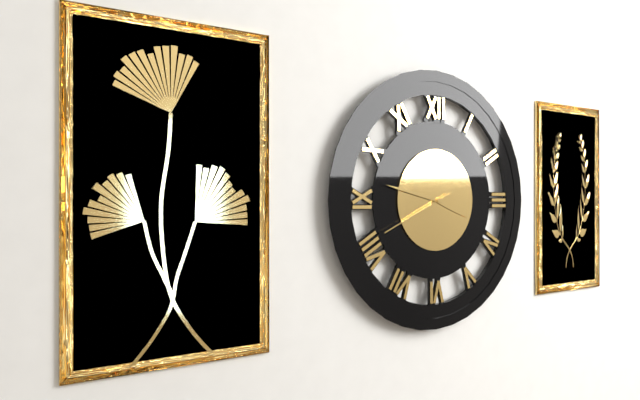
3h47m41s
